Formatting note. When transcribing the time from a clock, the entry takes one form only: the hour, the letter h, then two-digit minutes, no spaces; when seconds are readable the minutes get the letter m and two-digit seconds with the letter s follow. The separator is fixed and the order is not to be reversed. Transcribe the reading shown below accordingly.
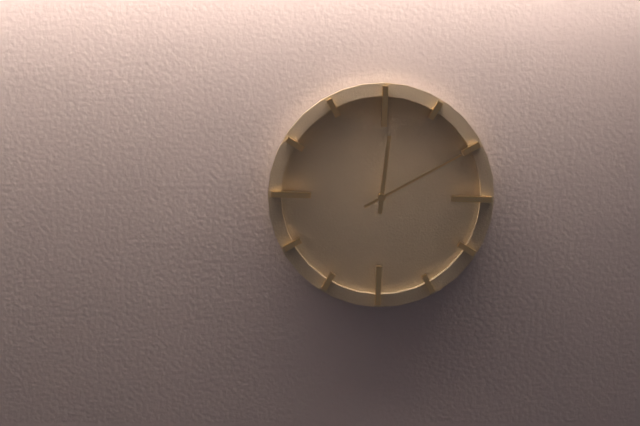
12h10
